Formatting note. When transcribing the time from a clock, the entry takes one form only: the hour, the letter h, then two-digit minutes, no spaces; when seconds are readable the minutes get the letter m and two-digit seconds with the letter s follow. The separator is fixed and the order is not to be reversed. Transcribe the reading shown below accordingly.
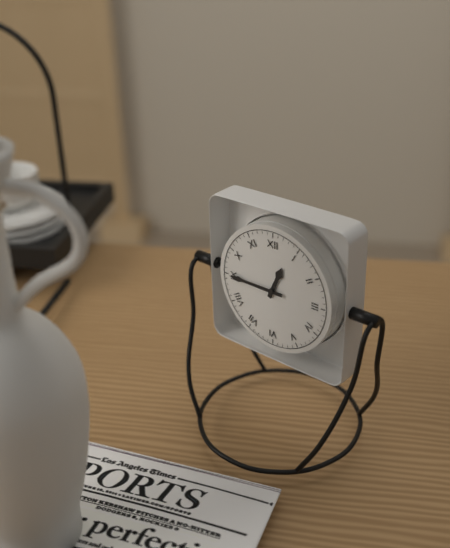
12h45
